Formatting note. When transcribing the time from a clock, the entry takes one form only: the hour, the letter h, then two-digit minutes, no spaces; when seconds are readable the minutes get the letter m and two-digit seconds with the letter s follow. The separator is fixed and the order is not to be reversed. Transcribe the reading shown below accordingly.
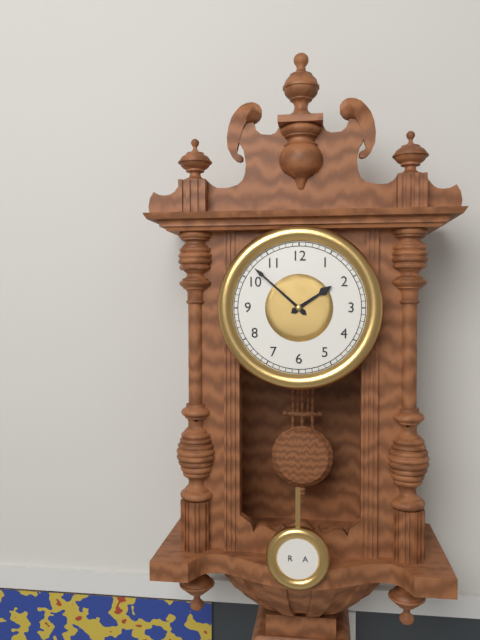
1h52
